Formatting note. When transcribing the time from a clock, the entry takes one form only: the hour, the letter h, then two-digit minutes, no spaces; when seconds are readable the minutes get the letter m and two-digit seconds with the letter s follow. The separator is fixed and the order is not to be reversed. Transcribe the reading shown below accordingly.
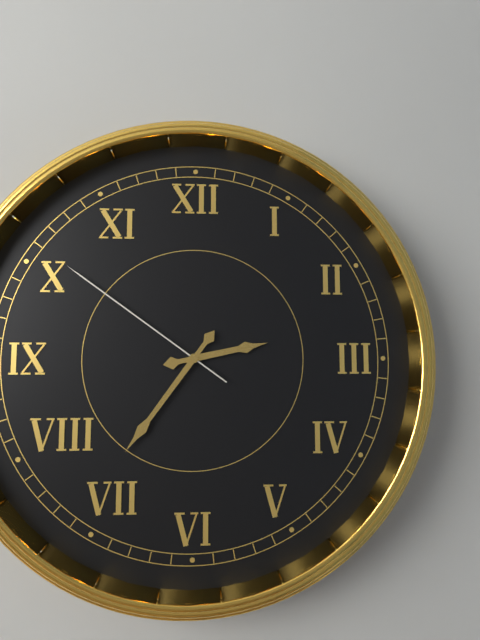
2h36m51s
